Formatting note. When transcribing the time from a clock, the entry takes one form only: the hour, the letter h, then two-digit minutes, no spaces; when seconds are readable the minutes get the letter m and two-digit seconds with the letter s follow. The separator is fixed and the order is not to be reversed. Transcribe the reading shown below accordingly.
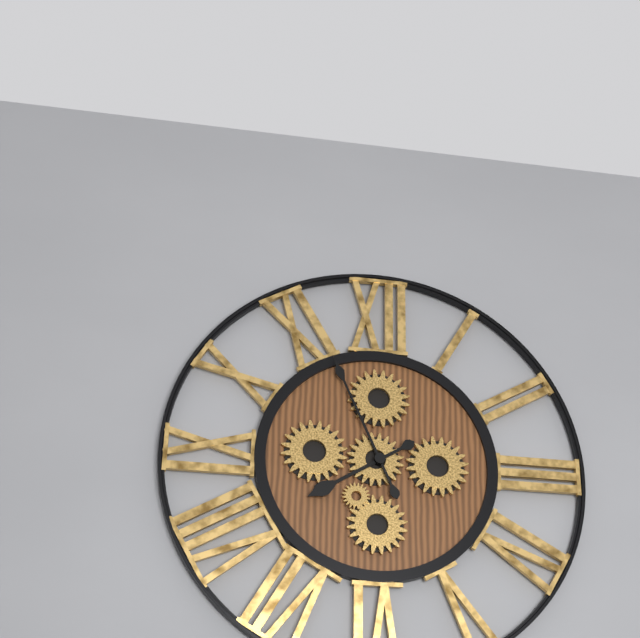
7h56
